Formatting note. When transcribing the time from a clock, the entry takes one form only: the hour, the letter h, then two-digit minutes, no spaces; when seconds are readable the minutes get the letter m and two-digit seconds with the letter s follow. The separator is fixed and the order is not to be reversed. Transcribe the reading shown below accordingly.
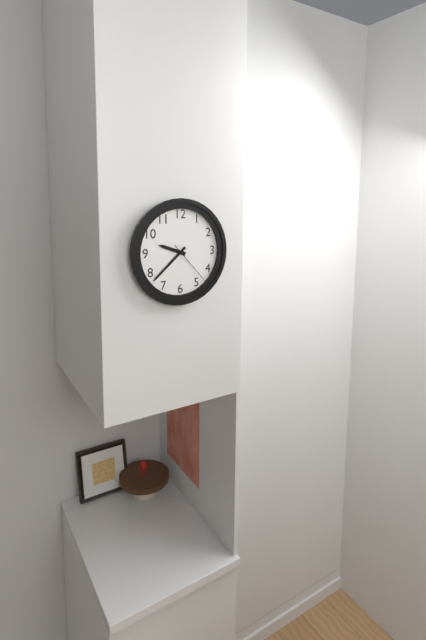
9h38
